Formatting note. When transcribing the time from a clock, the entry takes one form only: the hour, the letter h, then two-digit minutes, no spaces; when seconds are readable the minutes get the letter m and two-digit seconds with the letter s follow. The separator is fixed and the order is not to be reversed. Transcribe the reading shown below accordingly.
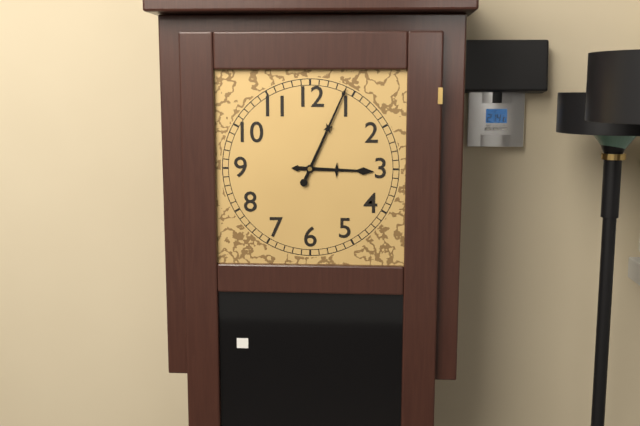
3h04
